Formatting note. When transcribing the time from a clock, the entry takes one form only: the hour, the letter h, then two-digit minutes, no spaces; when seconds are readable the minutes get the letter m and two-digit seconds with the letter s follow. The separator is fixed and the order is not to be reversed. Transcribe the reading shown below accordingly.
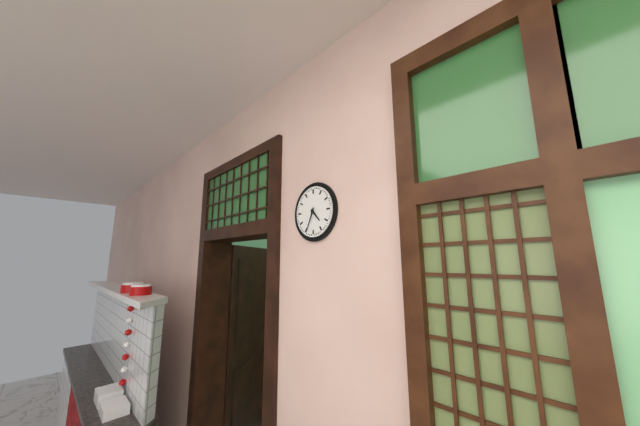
4h34
